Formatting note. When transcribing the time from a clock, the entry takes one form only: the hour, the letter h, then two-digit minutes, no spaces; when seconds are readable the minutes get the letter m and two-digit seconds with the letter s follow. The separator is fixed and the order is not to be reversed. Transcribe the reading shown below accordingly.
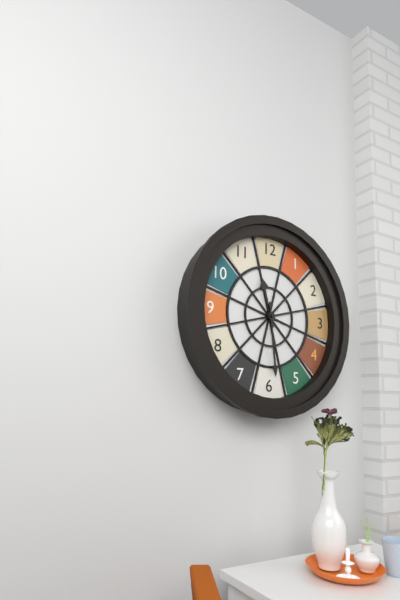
11h29
